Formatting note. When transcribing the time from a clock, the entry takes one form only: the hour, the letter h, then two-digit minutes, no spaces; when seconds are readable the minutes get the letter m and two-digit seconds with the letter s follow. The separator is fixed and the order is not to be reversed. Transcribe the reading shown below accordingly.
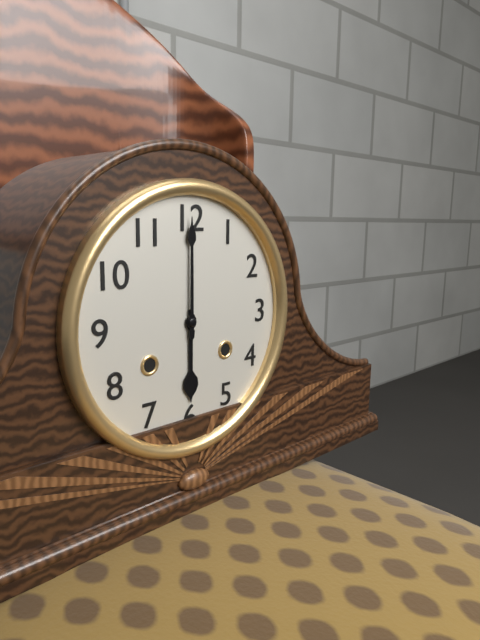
6h00
